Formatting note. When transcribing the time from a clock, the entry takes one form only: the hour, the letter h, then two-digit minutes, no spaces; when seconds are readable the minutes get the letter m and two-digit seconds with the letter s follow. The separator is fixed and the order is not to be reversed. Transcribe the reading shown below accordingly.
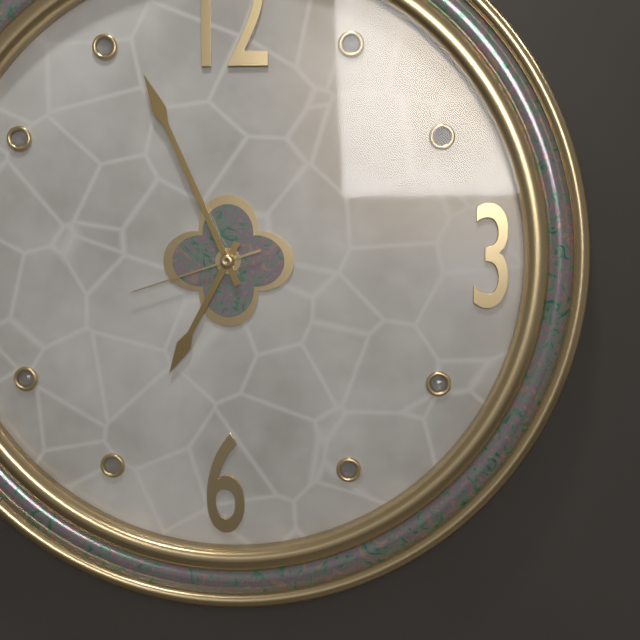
6h56m42s
